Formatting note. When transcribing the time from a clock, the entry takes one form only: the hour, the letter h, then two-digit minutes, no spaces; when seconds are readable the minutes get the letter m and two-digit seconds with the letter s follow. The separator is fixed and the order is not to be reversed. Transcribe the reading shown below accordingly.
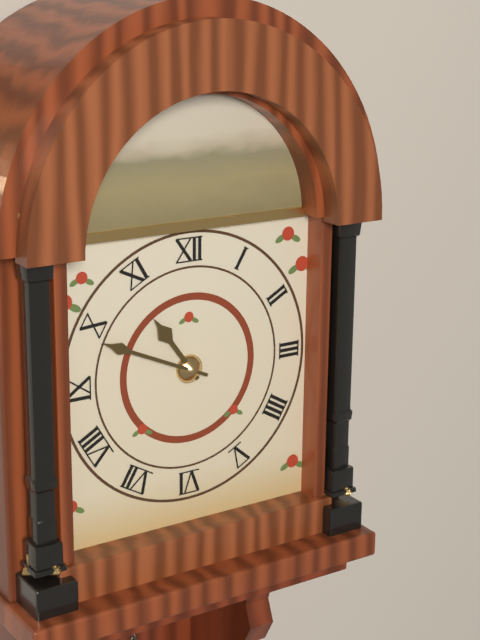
10h49
